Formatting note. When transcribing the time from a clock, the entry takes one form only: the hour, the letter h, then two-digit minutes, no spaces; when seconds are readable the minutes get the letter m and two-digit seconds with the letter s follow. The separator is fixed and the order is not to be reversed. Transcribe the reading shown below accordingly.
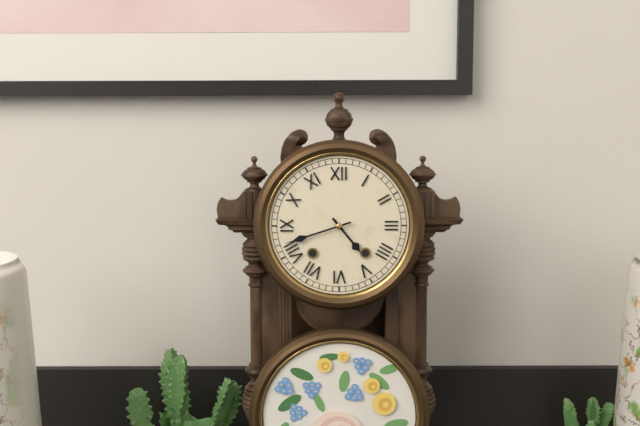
4h42
